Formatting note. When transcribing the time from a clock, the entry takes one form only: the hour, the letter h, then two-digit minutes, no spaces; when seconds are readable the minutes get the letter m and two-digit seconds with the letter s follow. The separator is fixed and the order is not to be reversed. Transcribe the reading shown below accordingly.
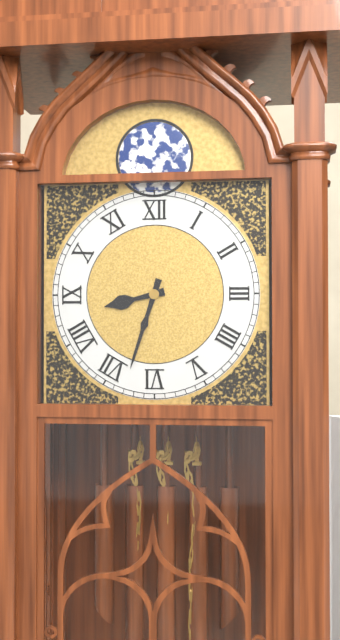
8h33
